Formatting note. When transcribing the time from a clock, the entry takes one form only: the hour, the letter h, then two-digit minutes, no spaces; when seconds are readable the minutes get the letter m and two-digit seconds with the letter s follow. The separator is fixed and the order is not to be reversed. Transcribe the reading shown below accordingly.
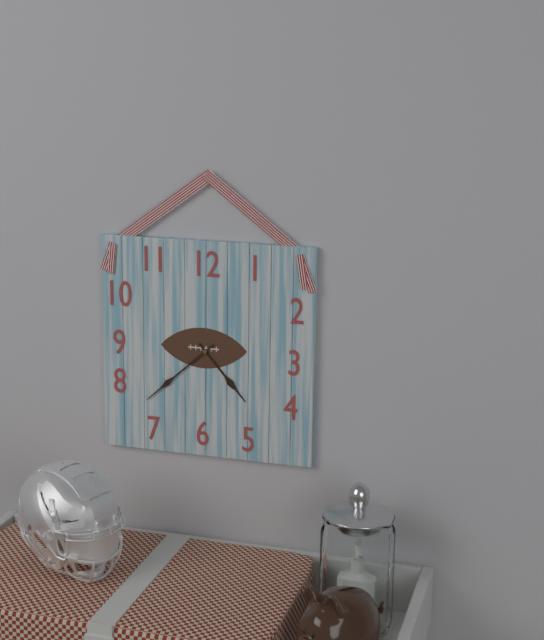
4h38
